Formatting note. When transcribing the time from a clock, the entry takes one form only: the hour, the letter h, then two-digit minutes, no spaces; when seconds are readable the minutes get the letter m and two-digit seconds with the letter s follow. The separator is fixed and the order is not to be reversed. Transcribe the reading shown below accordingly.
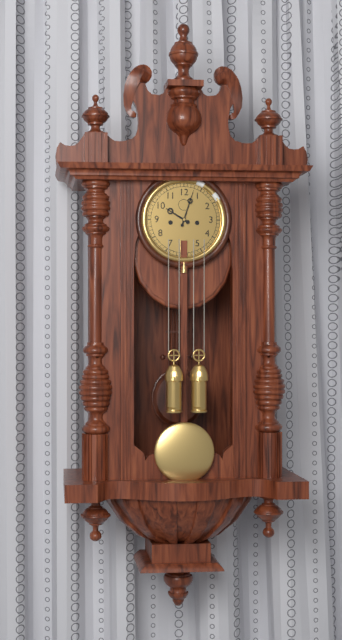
10h03
